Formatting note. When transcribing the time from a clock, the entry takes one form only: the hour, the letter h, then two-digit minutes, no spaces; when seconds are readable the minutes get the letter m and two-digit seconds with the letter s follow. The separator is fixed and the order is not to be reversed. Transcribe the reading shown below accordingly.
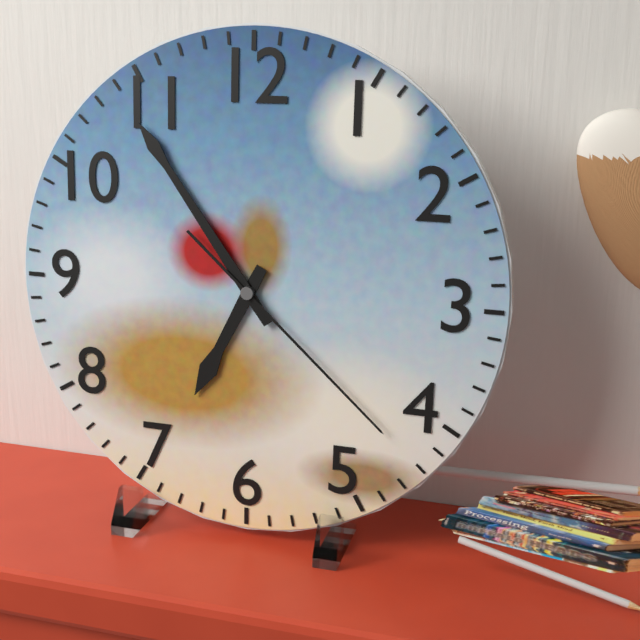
6h54m22s
